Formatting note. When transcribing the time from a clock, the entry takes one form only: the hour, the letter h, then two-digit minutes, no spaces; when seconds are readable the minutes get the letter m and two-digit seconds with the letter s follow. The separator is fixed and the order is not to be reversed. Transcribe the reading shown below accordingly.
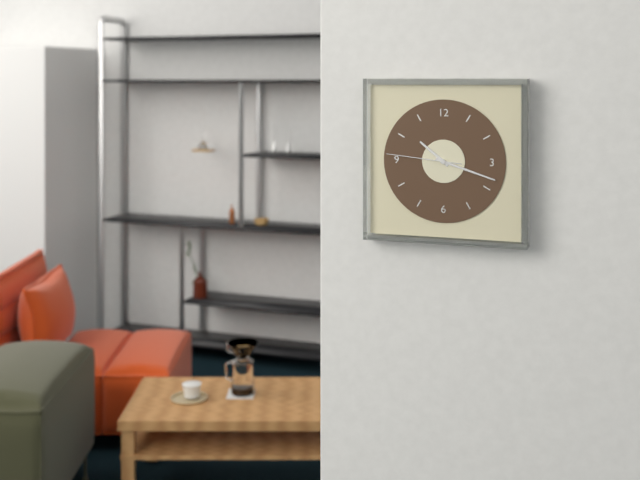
10h18m46s
